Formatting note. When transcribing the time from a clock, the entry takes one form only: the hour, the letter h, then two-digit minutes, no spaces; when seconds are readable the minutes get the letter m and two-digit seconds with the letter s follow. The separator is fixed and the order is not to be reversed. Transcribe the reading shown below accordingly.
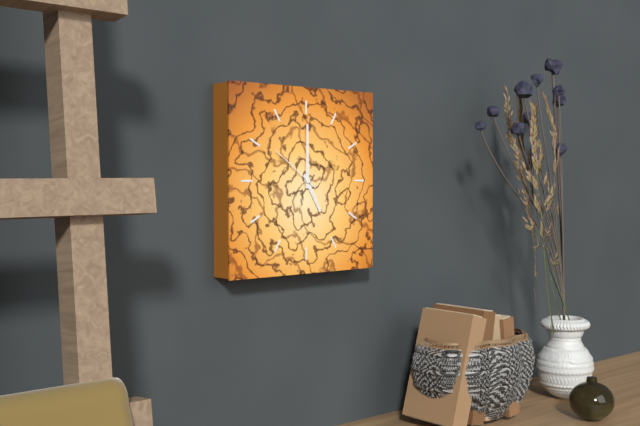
5h00m51s
